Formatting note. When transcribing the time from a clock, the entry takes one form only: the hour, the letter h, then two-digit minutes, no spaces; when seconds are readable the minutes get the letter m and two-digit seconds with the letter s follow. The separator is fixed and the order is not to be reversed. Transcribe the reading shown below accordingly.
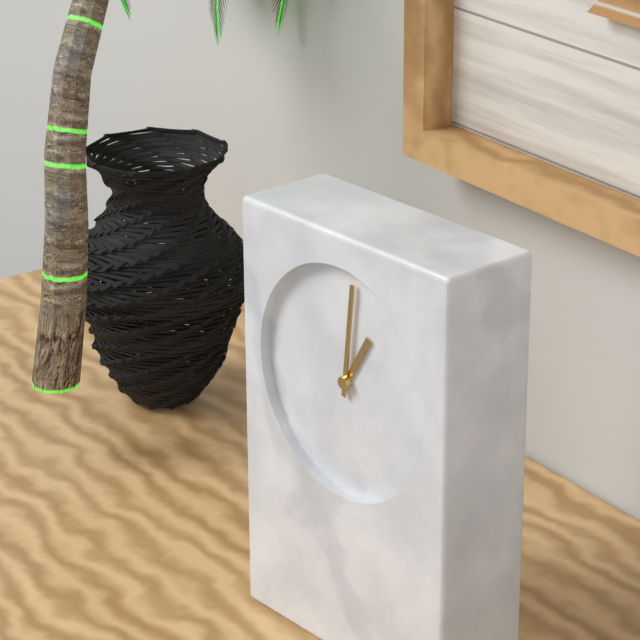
1h01
